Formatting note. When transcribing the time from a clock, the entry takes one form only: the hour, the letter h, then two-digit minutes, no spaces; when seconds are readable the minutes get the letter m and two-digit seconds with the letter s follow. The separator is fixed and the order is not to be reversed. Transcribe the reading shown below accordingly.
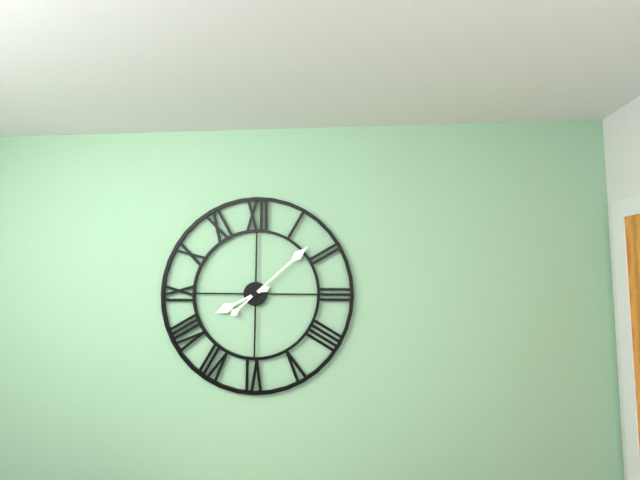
8h08
